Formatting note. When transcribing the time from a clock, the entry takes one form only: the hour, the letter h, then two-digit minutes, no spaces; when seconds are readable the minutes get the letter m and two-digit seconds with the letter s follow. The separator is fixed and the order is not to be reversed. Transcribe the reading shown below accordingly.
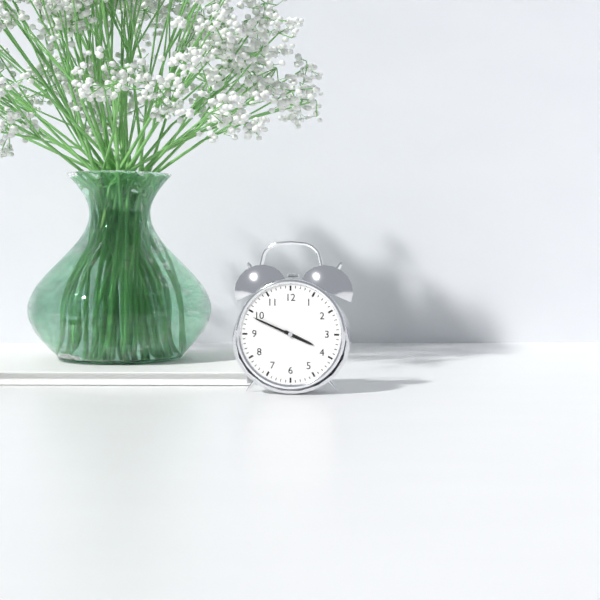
3h49
